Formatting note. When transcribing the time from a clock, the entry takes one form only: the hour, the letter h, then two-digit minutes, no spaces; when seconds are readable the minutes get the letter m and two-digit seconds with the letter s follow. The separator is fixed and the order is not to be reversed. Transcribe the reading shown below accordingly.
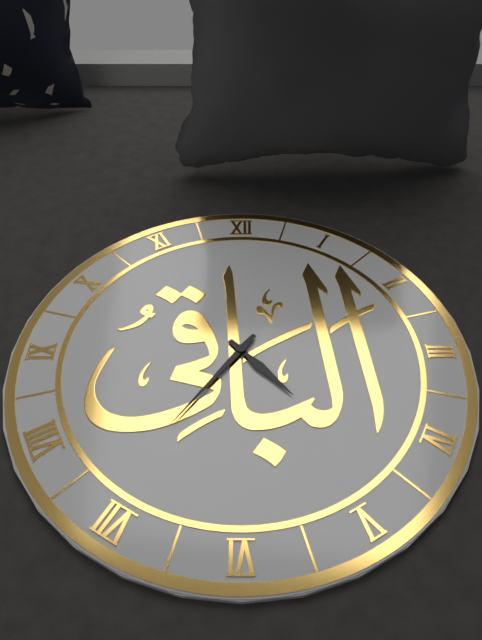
4h36
